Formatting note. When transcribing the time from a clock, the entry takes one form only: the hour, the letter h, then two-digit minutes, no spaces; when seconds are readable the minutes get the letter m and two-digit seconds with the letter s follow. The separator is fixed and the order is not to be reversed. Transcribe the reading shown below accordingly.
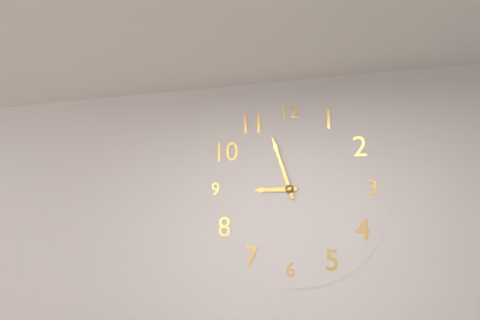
8h57
